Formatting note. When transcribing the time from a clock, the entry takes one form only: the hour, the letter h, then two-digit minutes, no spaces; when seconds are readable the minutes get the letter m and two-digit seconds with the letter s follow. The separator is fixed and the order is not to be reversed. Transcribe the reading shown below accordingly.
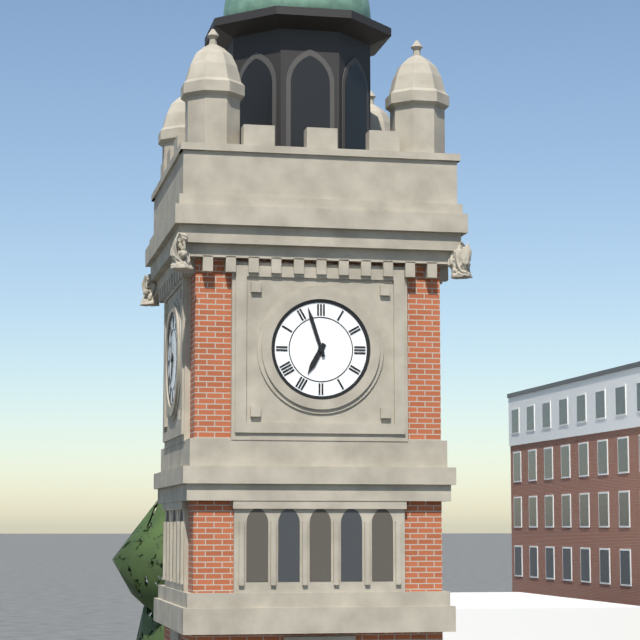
6h57
